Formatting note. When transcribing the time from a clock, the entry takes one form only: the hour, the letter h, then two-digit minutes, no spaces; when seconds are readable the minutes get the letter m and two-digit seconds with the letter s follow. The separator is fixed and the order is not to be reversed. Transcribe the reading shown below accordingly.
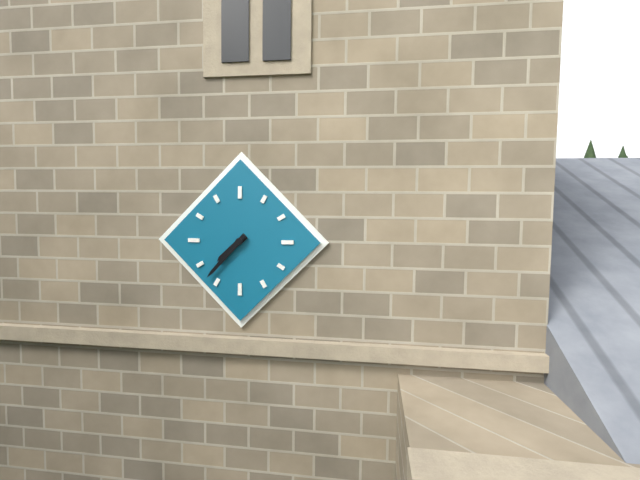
7h37
